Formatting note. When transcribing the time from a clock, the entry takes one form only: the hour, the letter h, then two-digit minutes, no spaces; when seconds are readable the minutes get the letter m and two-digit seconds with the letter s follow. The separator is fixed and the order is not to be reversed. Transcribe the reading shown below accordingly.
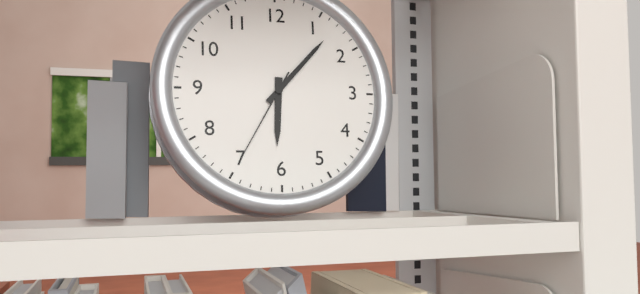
6h07m35s
